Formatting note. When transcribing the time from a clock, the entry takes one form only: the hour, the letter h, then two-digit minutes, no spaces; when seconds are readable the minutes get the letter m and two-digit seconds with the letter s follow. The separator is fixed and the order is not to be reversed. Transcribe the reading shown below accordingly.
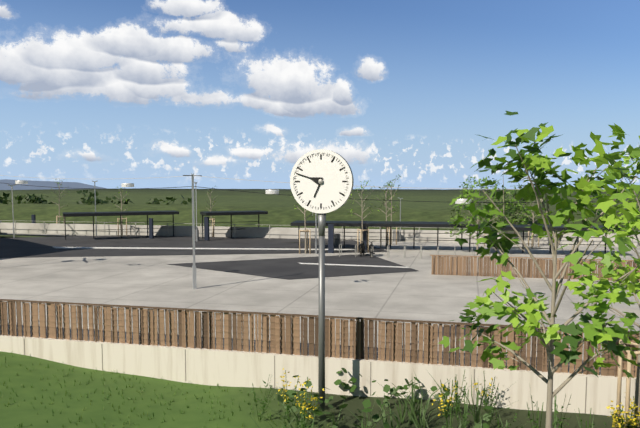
6h48
